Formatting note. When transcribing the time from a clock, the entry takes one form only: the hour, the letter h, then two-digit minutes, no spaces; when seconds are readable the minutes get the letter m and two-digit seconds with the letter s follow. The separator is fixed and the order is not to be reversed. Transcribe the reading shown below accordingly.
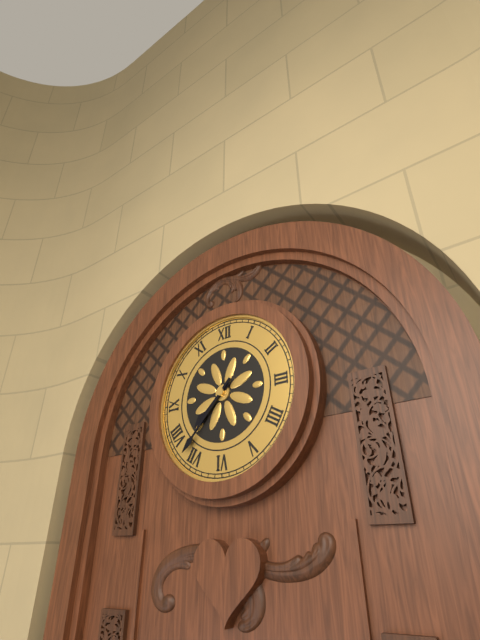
7h37
